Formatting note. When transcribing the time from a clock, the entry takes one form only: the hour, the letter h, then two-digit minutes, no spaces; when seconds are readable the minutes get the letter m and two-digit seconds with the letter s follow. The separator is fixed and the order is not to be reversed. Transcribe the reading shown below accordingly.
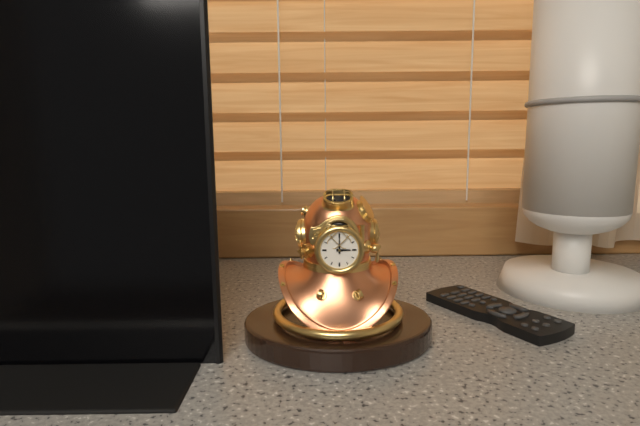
3h00
